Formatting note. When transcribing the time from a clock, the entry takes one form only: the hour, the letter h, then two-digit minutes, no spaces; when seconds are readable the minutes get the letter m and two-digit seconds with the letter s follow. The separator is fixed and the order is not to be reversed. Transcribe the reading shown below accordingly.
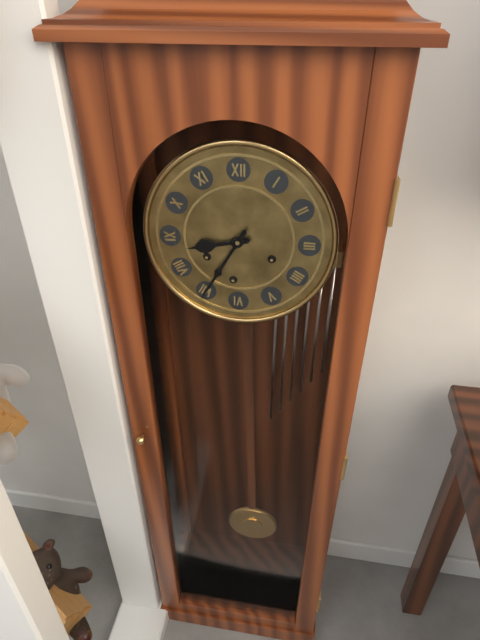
8h35
